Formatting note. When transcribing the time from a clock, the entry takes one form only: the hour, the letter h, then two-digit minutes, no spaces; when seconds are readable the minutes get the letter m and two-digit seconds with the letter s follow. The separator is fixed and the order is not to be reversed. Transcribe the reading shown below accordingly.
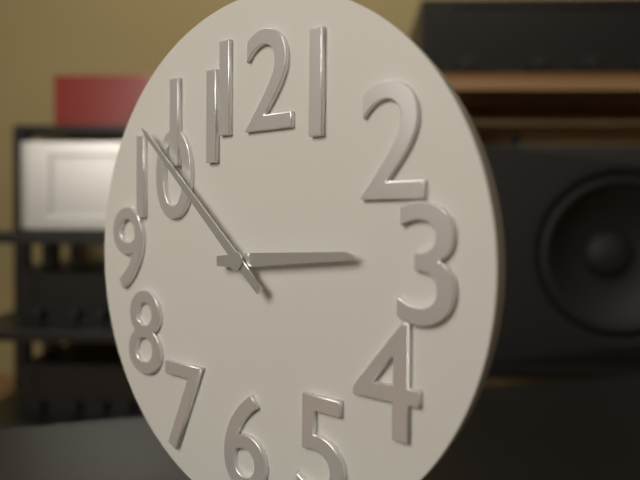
2h52
